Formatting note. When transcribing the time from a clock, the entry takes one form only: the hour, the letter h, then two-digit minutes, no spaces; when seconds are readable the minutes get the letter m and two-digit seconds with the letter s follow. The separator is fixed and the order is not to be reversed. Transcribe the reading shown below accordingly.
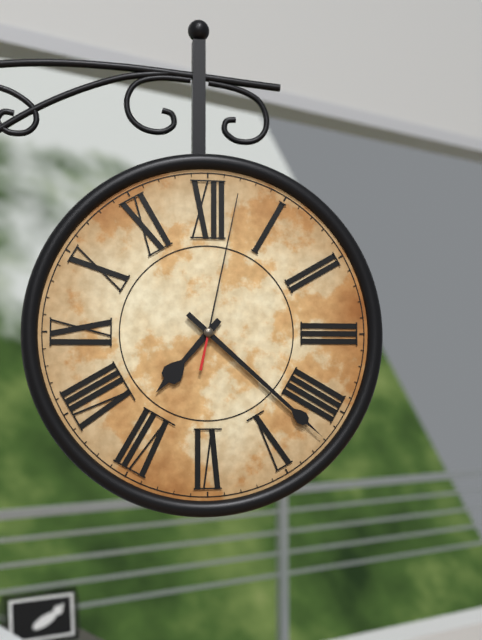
7h22m02s
